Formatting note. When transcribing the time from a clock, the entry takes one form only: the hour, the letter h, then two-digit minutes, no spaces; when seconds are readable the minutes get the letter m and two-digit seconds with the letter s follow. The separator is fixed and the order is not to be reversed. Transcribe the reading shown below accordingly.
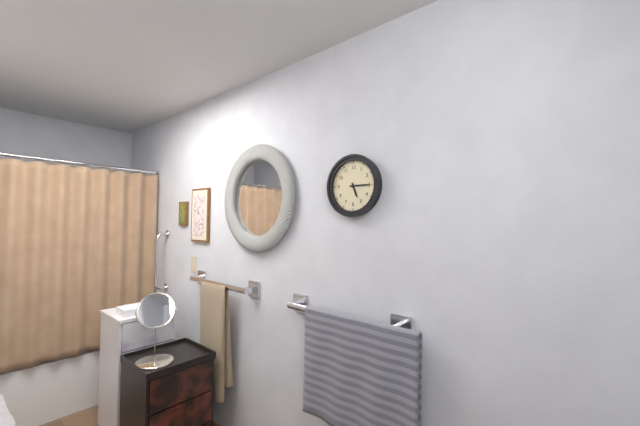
5h15
